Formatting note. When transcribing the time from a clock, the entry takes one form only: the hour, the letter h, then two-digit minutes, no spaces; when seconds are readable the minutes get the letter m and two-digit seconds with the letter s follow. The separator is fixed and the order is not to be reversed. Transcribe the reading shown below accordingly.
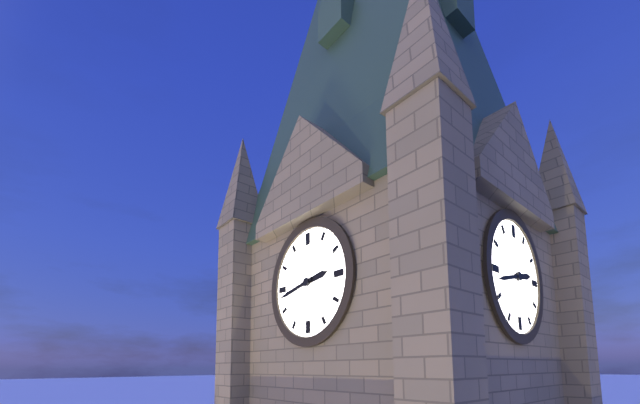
2h43
